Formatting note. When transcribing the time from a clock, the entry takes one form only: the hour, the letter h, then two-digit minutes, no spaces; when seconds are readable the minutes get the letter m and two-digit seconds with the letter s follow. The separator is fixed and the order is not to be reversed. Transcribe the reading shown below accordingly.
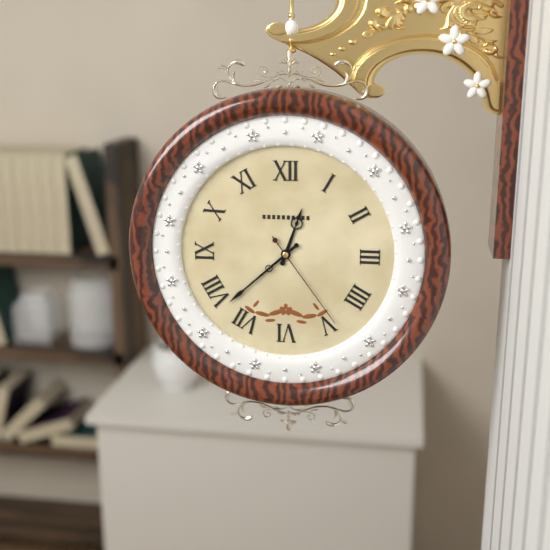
12h38m24s
